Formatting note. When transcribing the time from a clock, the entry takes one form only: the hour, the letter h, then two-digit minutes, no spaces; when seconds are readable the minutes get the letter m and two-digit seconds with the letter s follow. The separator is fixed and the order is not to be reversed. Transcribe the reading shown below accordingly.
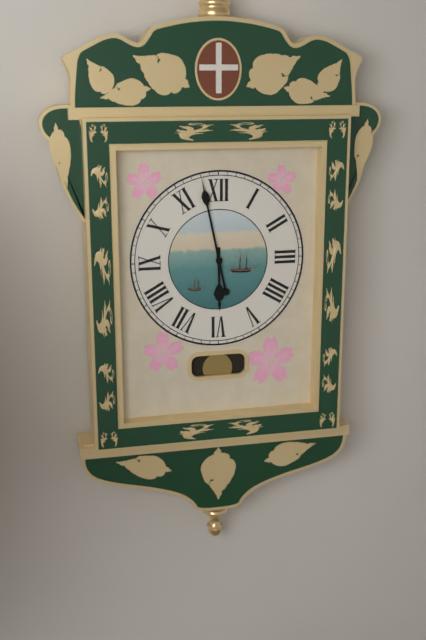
5h58
